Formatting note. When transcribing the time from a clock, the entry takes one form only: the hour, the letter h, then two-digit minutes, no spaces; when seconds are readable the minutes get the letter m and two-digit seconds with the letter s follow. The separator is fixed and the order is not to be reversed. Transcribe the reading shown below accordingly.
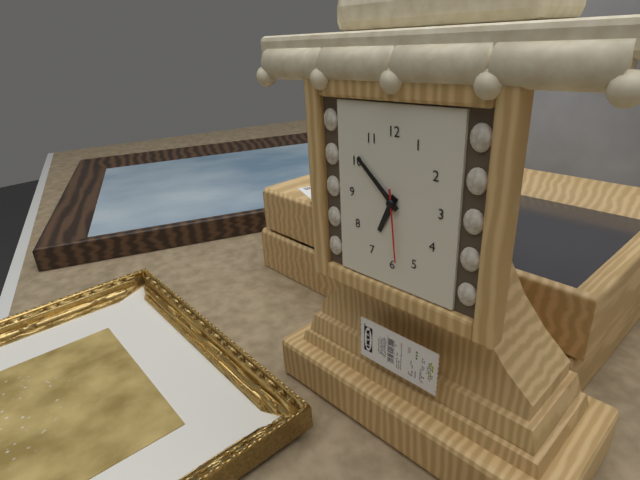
6h52m29s
